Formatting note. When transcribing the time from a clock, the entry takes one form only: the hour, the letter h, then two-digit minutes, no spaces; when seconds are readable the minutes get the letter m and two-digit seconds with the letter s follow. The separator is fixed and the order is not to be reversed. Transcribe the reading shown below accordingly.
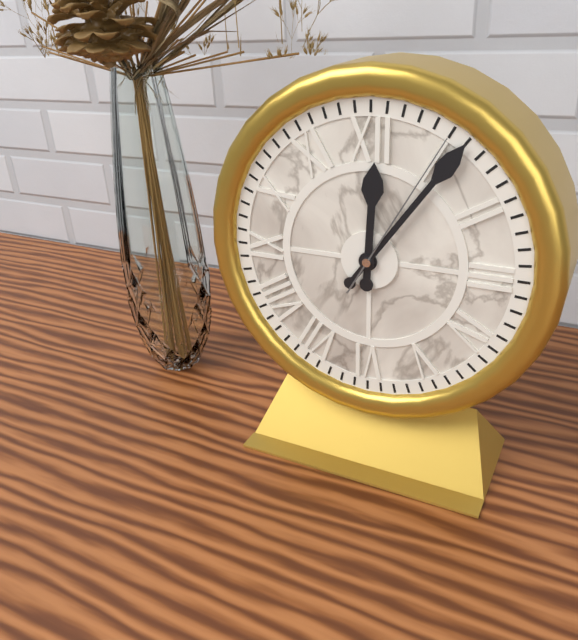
12h06m05s
